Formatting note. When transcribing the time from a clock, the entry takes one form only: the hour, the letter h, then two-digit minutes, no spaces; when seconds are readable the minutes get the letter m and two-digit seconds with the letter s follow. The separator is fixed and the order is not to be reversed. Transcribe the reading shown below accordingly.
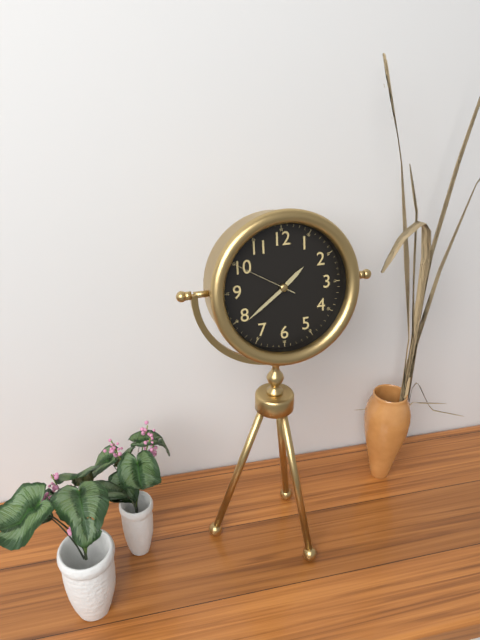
1h39m50s
